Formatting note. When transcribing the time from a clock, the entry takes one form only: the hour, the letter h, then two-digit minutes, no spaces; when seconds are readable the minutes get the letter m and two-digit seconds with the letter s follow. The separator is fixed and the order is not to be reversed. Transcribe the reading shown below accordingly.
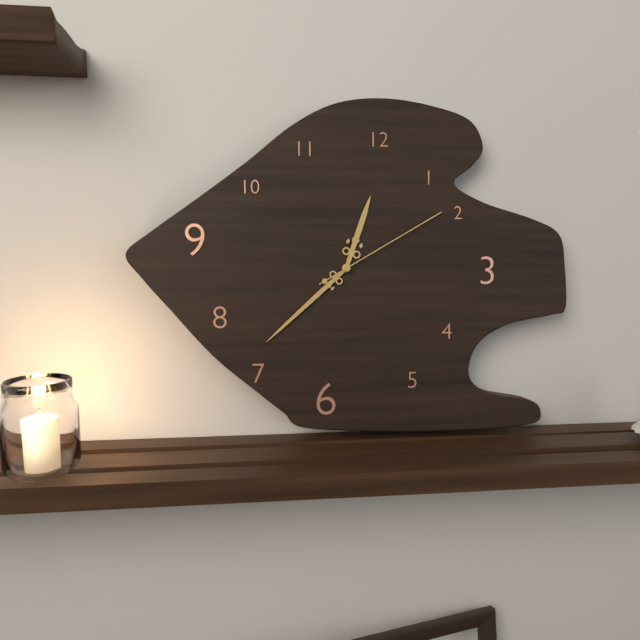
12h38m10s
